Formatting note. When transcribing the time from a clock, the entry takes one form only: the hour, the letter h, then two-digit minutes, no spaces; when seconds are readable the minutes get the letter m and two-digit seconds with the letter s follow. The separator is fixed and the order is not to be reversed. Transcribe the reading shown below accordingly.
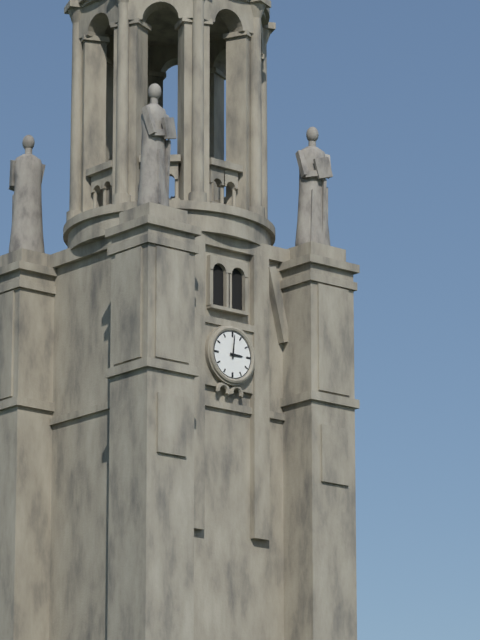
3h01
